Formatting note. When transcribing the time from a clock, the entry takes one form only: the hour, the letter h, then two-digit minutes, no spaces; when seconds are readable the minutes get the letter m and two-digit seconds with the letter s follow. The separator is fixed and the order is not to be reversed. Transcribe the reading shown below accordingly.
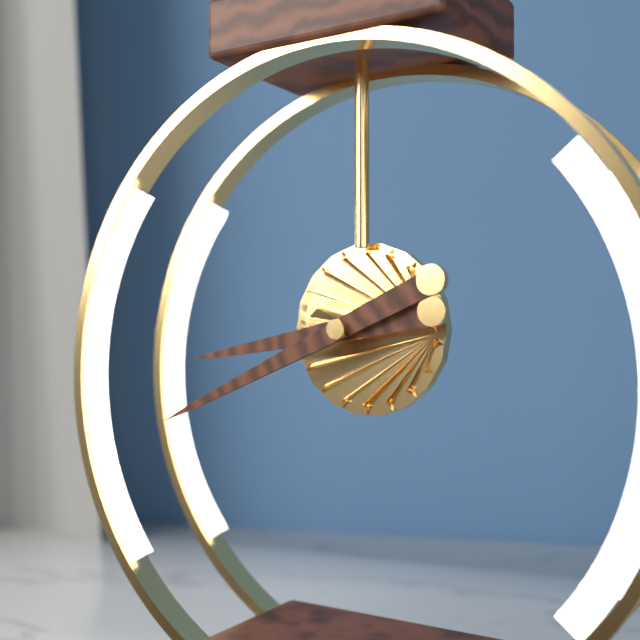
8h41
